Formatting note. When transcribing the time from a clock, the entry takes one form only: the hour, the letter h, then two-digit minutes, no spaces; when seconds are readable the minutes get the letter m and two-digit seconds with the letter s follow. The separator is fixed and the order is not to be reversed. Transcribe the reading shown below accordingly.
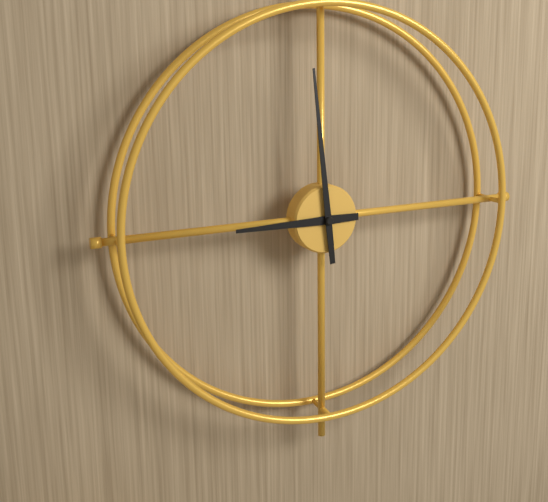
8h59
